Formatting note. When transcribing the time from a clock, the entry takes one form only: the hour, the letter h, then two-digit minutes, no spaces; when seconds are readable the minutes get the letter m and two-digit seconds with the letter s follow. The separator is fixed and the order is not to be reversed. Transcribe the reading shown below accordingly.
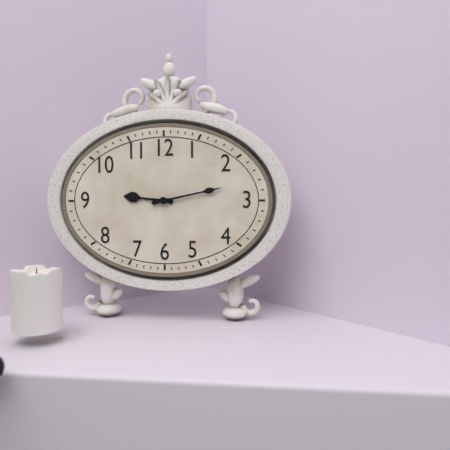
9h13
